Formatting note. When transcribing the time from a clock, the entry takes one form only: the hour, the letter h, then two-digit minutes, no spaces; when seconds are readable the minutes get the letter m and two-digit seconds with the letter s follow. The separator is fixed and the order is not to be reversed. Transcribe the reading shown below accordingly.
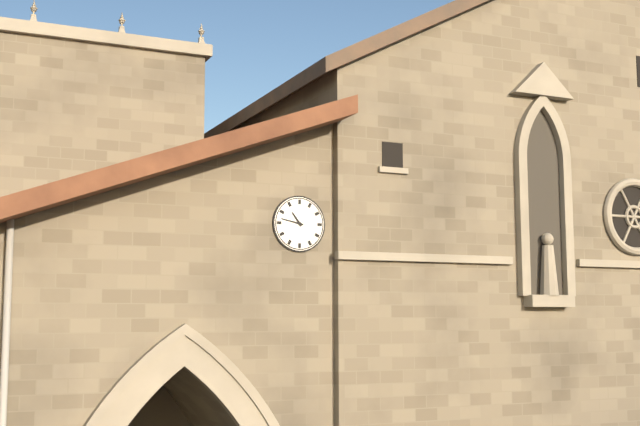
10h47
